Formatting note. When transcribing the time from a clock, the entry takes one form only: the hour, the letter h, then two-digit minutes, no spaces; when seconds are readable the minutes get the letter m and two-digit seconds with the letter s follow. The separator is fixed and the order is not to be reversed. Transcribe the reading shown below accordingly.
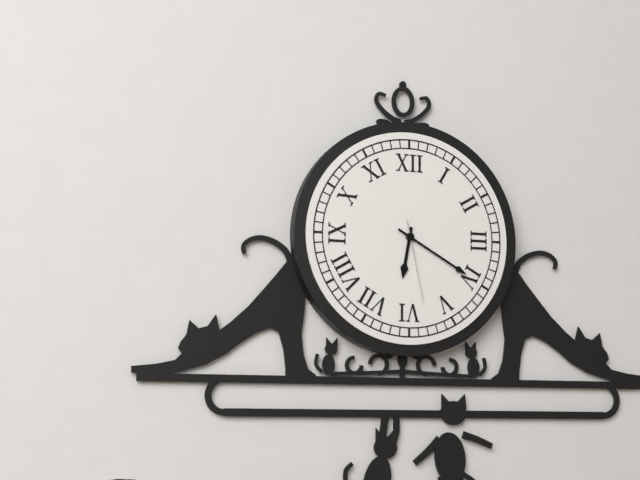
6h20m28s
